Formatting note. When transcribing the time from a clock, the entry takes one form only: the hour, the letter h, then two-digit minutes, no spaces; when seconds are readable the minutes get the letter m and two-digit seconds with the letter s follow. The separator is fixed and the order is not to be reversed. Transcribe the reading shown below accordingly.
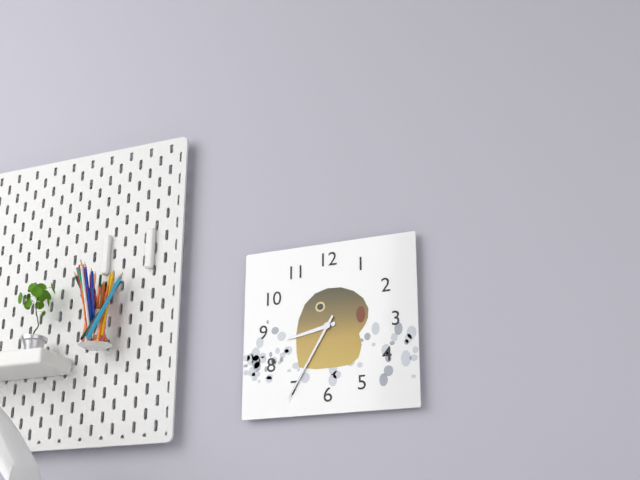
8h35
